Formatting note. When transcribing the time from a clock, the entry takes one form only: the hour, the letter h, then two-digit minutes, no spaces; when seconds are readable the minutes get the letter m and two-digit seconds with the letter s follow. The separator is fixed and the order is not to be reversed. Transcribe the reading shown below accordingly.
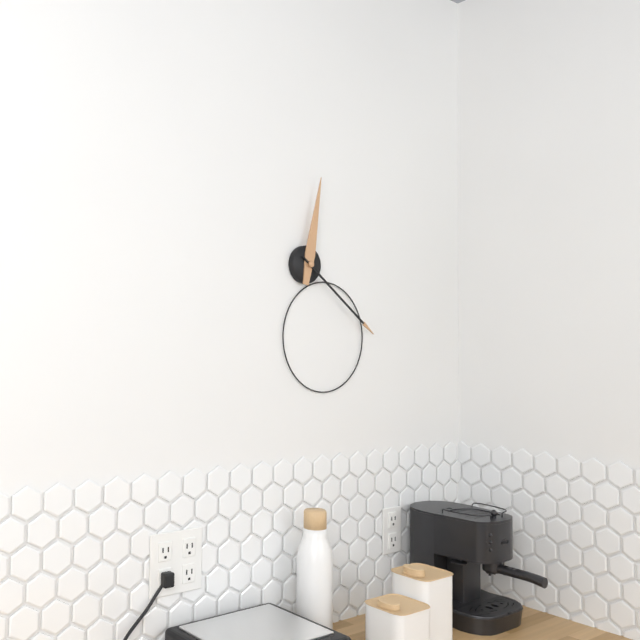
12h21
